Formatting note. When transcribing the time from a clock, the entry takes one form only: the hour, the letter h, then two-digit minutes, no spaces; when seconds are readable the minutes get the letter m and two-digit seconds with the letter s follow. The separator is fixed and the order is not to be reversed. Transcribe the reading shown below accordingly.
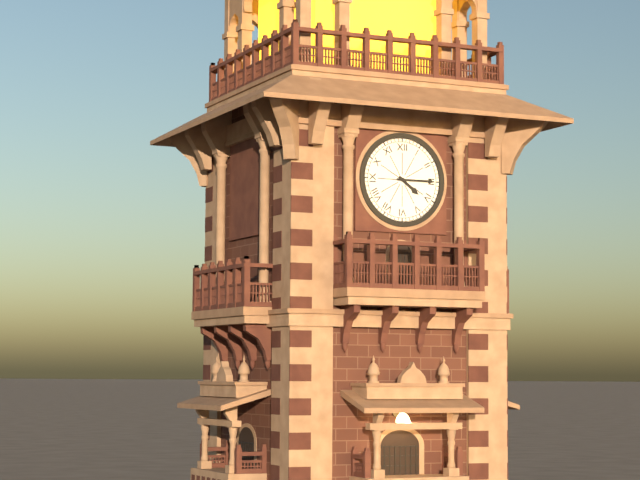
4h15
